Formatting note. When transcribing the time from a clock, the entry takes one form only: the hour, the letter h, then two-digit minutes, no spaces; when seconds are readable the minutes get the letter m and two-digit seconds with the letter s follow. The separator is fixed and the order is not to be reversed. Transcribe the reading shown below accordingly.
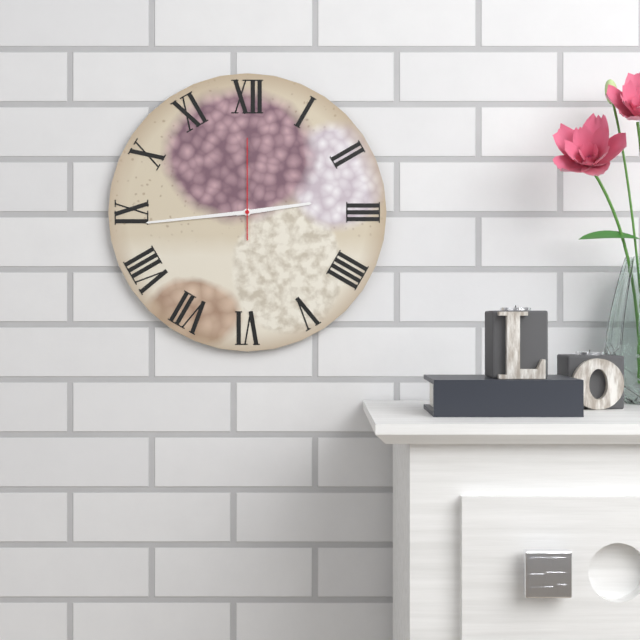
2h44m00s
